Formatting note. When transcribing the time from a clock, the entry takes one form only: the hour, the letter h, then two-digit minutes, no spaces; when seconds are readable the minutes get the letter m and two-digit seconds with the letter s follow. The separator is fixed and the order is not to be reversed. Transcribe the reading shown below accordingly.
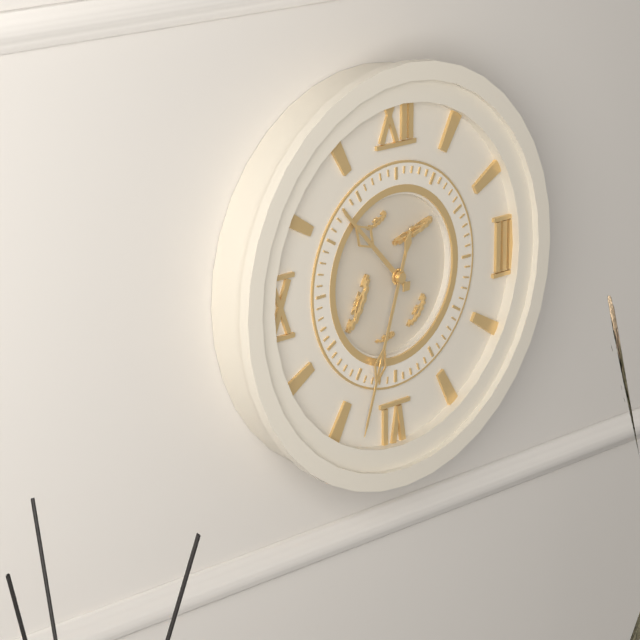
10h33
